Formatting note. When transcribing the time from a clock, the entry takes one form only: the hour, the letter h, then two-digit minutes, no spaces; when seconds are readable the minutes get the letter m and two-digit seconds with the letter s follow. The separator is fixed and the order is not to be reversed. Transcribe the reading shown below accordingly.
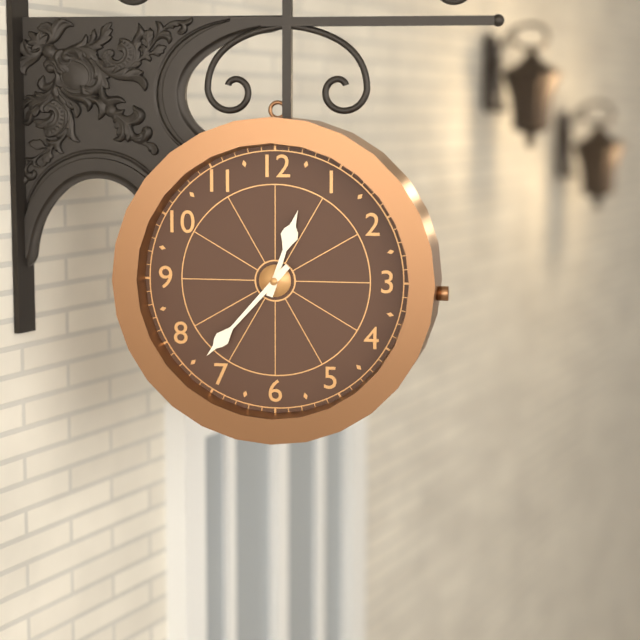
12h37
